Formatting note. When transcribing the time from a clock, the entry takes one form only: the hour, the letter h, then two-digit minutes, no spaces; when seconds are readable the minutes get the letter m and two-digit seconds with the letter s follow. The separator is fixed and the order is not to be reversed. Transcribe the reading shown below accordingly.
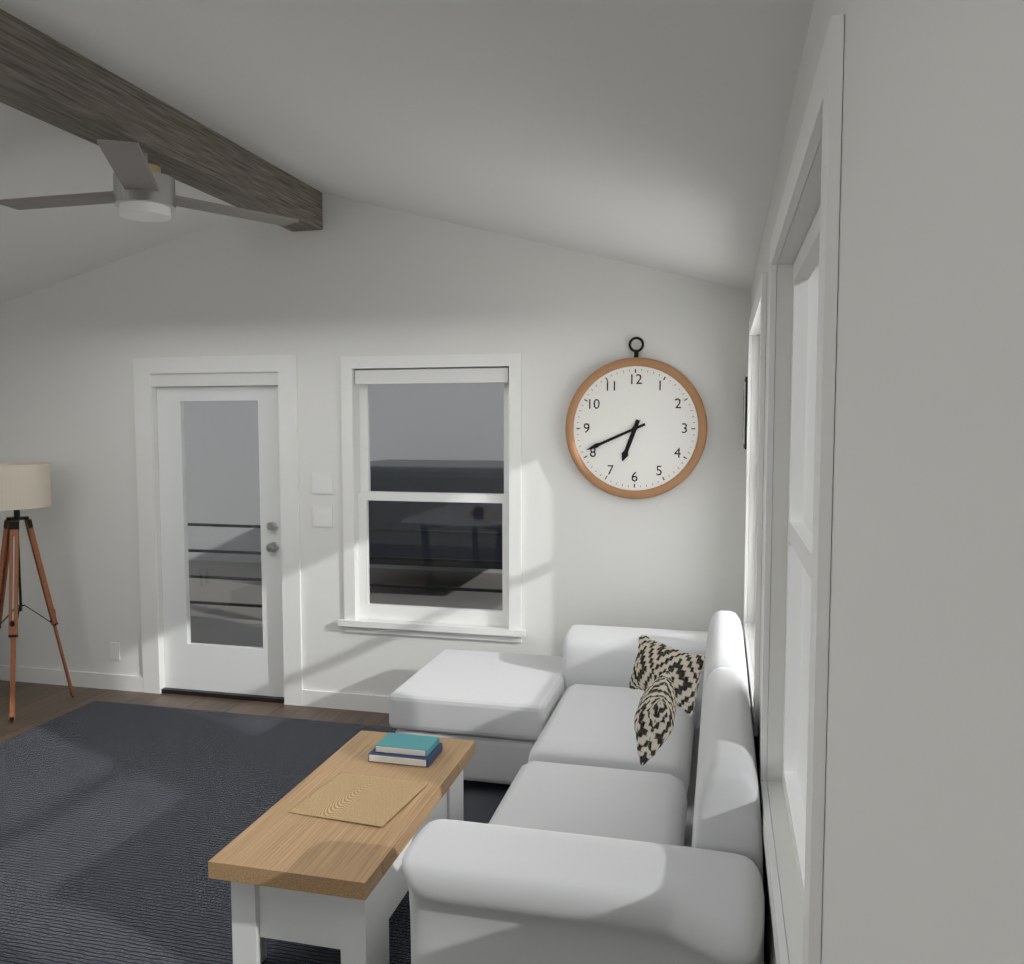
6h41
